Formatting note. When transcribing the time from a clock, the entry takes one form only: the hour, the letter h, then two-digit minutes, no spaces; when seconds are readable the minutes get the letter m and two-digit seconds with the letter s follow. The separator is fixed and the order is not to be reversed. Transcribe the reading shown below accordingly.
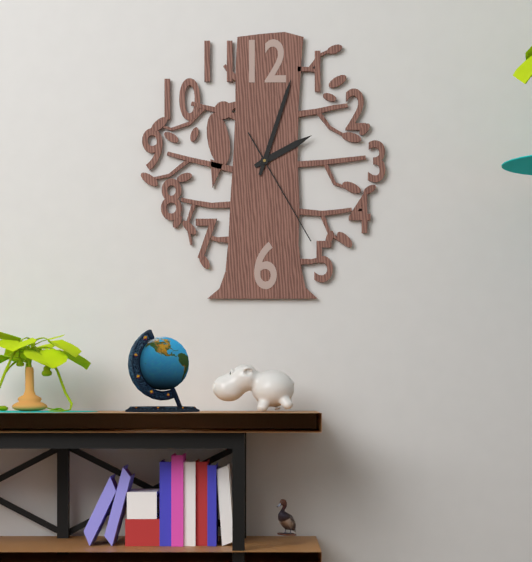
2h03m25s
